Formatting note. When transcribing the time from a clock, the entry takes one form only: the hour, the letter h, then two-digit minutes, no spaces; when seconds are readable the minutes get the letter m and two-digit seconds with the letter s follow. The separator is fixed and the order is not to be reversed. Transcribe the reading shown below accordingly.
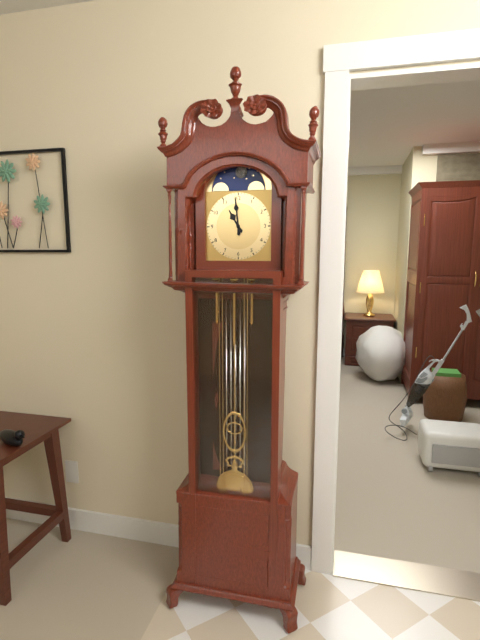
10h59
